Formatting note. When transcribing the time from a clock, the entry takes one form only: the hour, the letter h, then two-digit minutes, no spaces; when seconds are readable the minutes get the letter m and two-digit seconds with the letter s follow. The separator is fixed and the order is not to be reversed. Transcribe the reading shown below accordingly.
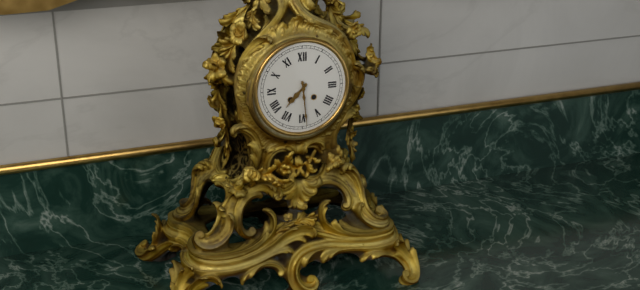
7h29
